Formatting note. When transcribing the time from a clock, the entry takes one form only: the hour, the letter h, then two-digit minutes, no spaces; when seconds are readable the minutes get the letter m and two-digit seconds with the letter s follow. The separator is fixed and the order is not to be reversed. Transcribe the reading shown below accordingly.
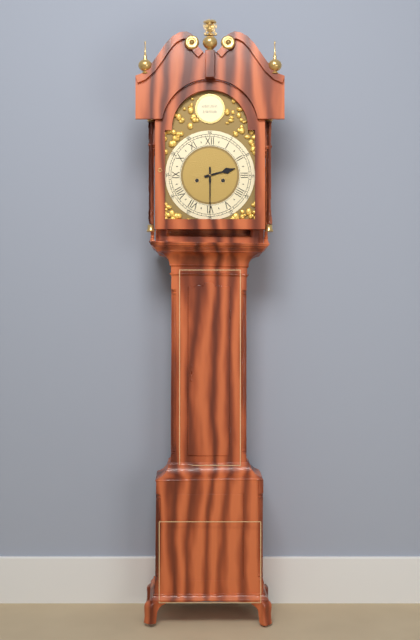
2h30
